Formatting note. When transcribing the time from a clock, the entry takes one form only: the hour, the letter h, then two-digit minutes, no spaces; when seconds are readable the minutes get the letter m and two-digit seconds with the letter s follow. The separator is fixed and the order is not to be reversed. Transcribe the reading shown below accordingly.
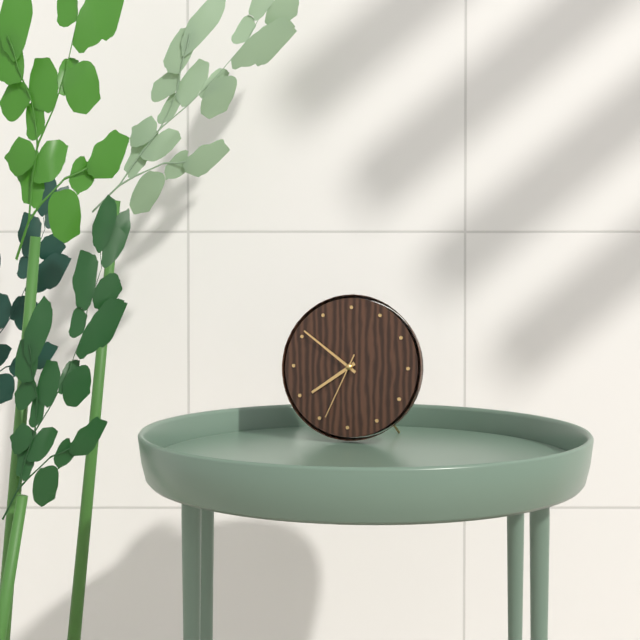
7h51m34s
